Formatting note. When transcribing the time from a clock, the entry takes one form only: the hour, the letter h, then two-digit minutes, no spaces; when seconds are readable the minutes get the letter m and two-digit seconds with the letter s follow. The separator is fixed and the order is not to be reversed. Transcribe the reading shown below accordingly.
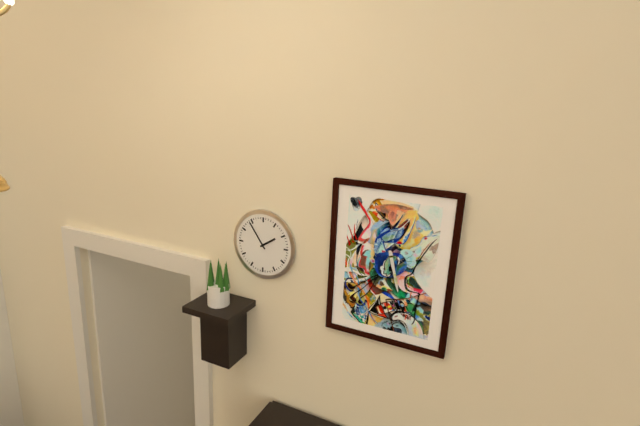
1h54
